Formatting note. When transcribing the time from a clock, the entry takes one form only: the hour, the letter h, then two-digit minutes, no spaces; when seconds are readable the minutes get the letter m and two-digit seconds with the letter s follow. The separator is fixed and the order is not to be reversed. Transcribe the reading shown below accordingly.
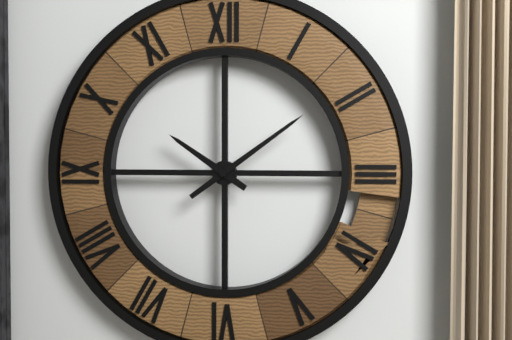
10h09
